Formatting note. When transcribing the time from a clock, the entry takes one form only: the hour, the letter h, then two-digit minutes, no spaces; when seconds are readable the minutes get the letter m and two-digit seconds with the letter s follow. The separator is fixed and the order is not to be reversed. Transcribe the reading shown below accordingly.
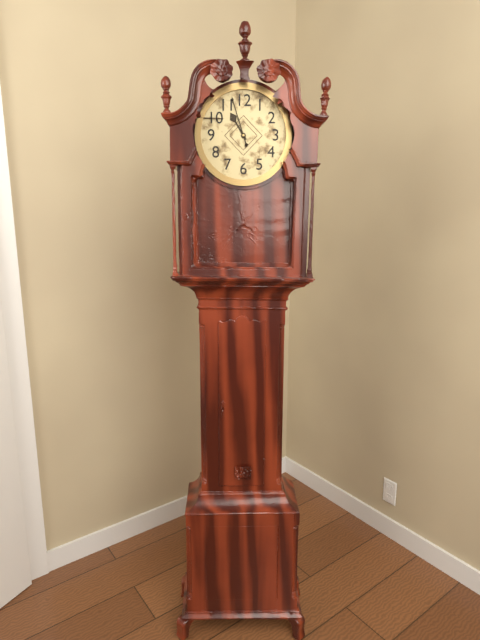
10h57
